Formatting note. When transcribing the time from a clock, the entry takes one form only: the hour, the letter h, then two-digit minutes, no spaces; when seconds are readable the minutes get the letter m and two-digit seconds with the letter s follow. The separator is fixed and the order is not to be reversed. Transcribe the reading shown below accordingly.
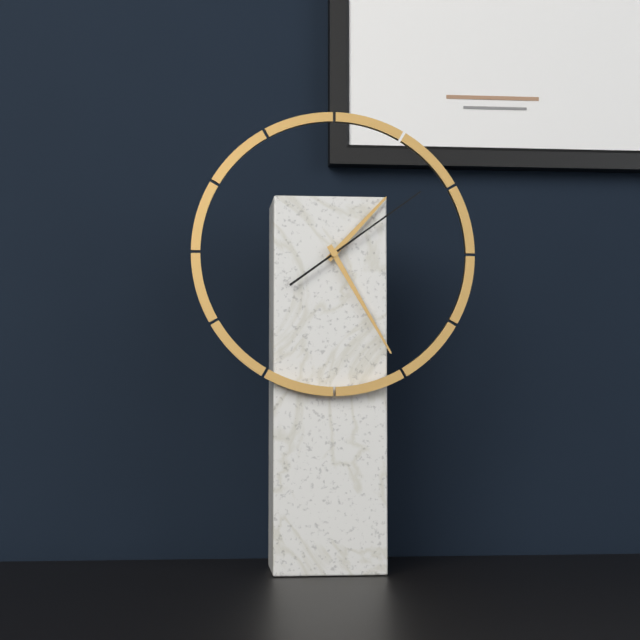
1h25m09s
